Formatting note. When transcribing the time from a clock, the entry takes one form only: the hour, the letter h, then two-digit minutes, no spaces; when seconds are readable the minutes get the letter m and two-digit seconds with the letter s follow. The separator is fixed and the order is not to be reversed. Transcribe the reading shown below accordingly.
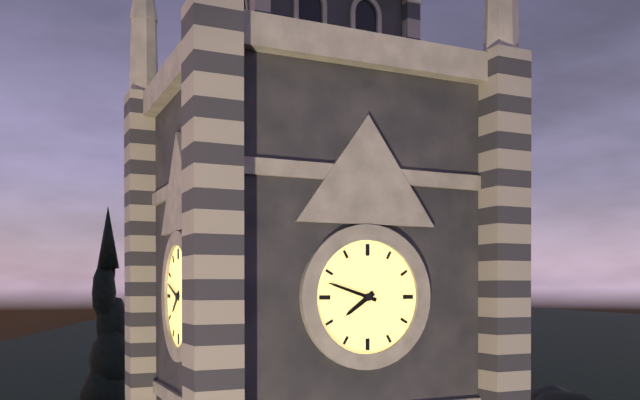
7h48
